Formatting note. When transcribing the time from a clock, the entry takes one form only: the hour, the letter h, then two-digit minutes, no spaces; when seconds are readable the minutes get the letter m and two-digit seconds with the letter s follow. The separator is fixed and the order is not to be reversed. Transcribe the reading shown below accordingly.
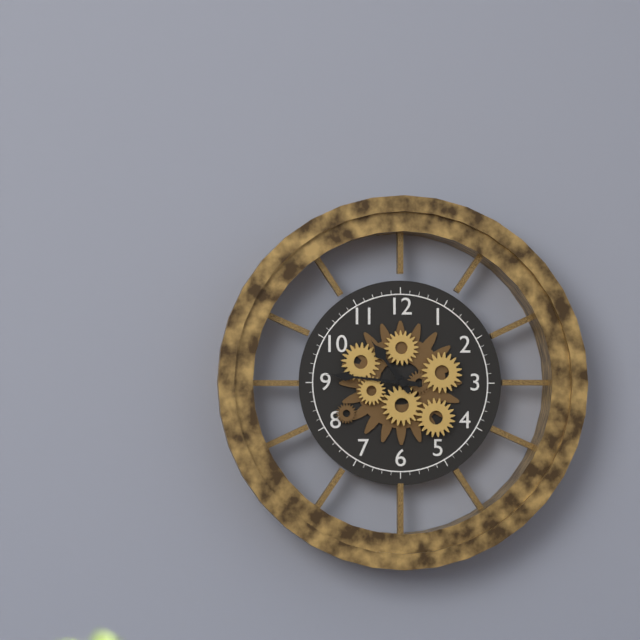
10h46
